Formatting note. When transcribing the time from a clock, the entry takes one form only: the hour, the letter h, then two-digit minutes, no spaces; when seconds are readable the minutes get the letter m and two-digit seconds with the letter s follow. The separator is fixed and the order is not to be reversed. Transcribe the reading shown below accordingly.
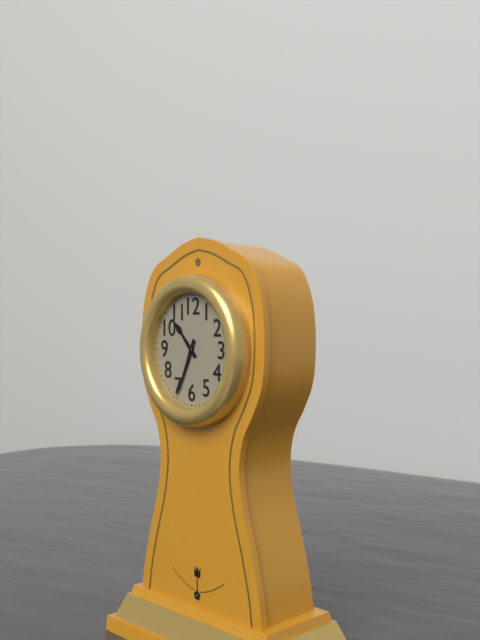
10h34
